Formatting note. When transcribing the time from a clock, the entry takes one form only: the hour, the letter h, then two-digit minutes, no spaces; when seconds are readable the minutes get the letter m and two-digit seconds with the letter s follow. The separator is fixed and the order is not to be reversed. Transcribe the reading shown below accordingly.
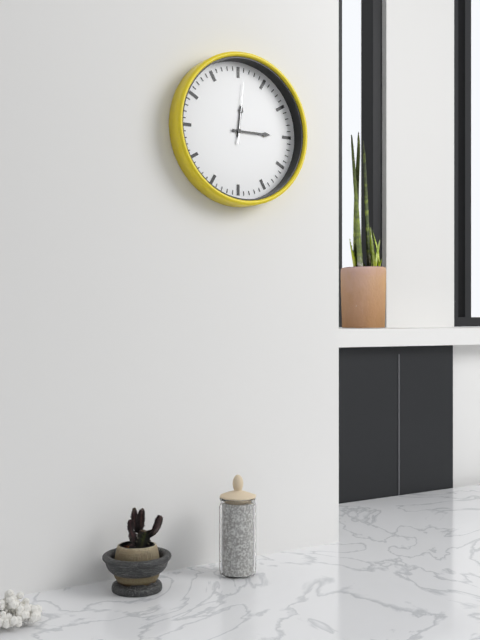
12h15m01s
